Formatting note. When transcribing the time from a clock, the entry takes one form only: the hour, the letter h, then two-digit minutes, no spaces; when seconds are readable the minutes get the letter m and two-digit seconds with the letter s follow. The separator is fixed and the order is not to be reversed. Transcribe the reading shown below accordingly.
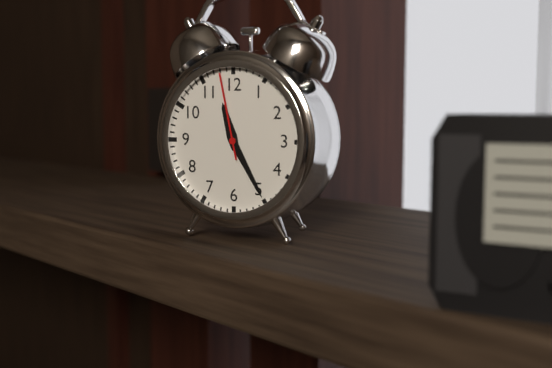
11h25m58s
